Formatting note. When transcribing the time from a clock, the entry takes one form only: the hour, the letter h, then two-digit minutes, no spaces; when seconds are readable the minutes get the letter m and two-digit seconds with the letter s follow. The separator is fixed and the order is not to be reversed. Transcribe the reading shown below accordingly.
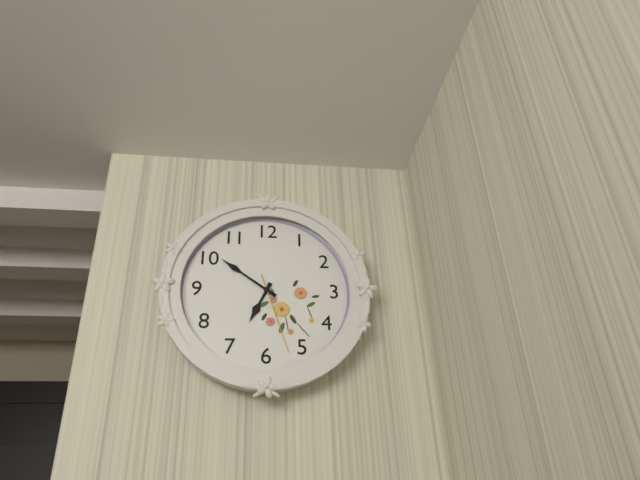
6h51m27s
